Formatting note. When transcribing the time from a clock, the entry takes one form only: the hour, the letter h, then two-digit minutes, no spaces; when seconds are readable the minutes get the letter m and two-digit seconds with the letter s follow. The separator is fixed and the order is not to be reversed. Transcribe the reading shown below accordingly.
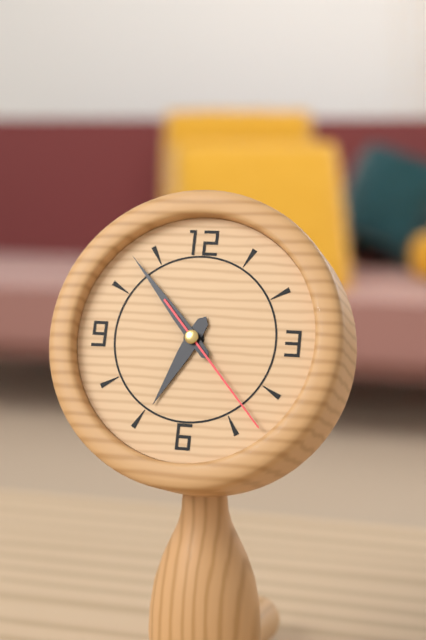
6h53m23s
